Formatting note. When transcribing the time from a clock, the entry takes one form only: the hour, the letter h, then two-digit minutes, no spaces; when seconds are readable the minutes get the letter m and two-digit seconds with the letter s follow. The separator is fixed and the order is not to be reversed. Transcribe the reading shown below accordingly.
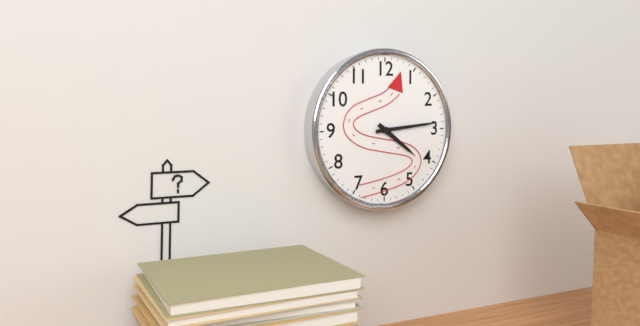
4h14
